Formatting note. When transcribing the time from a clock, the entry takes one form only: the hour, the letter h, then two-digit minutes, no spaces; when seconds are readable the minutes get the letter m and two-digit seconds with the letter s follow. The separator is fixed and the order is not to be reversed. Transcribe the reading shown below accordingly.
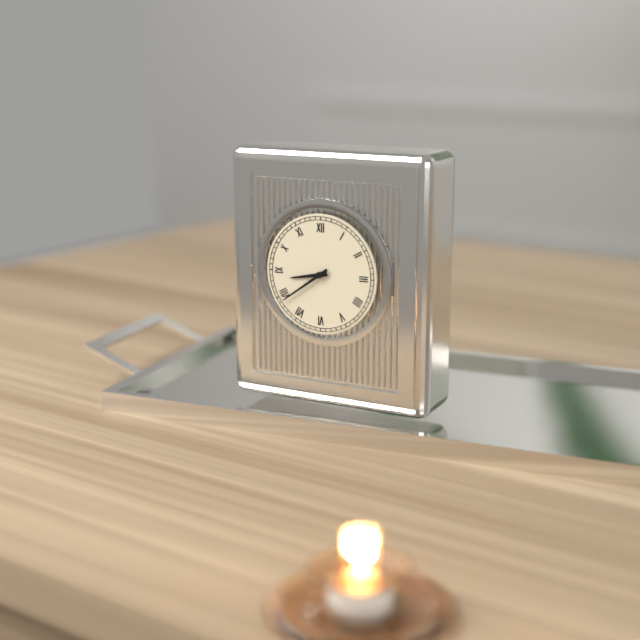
8h39
